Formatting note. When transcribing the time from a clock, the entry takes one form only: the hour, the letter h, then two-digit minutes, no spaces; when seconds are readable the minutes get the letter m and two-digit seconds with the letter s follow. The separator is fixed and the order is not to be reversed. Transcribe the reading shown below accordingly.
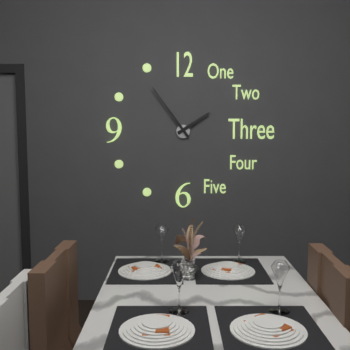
1h54
